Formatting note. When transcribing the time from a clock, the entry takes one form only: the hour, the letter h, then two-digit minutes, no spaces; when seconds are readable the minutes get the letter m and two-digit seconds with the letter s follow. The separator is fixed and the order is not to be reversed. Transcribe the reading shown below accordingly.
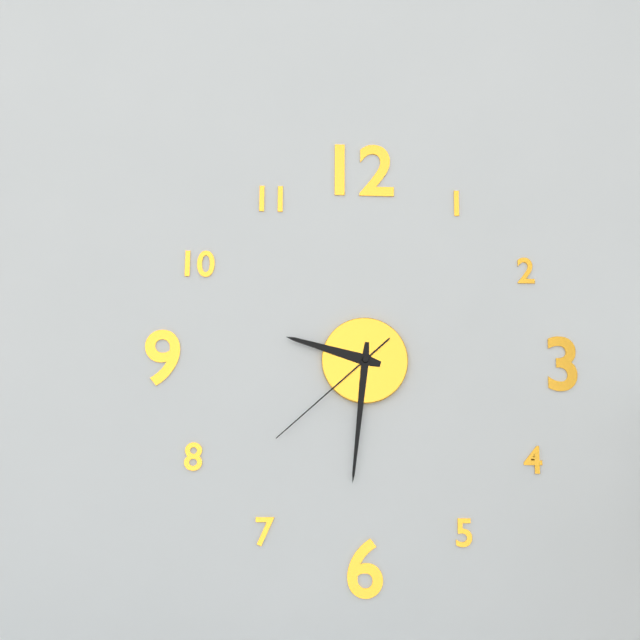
9h31m38s
